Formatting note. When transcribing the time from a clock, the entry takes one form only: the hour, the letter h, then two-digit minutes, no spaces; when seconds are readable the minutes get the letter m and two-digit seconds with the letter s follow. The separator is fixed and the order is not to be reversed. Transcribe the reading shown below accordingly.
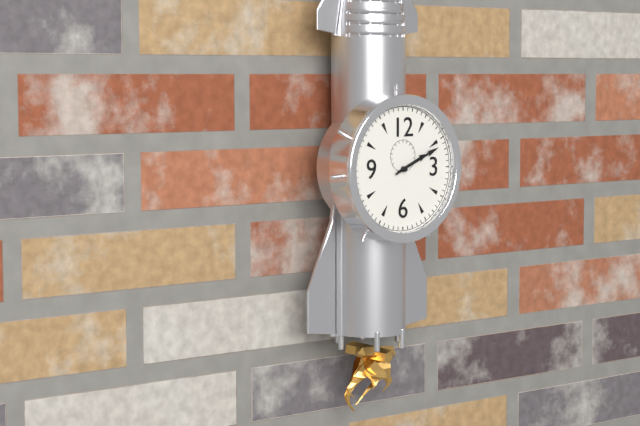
2h11
